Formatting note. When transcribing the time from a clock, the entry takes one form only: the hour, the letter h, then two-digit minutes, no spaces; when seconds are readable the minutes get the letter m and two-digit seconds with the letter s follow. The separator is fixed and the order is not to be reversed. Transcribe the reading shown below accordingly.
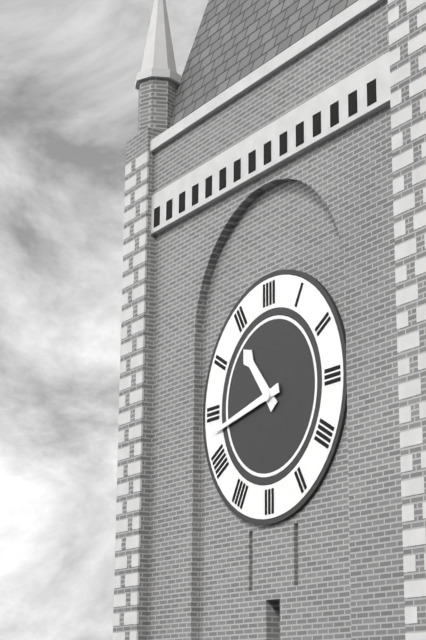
10h43
